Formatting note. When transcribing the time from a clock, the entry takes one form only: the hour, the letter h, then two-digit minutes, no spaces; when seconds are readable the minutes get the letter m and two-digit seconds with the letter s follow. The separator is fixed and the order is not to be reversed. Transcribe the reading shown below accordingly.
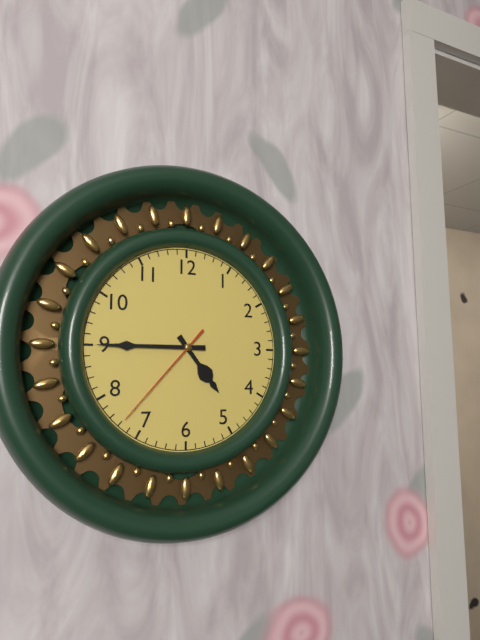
4h45m37s
